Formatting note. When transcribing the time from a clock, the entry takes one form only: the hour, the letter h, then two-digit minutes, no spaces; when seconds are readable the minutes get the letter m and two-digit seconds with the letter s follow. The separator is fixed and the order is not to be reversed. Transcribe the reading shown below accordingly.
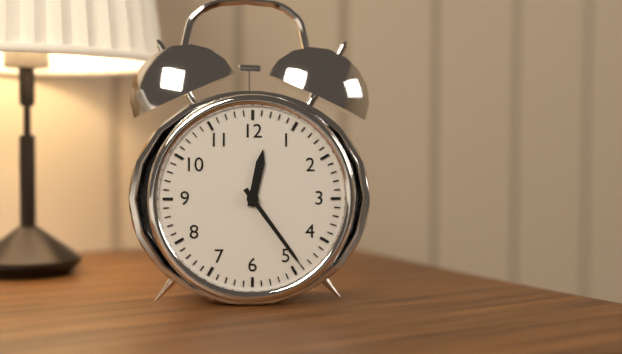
12h24
